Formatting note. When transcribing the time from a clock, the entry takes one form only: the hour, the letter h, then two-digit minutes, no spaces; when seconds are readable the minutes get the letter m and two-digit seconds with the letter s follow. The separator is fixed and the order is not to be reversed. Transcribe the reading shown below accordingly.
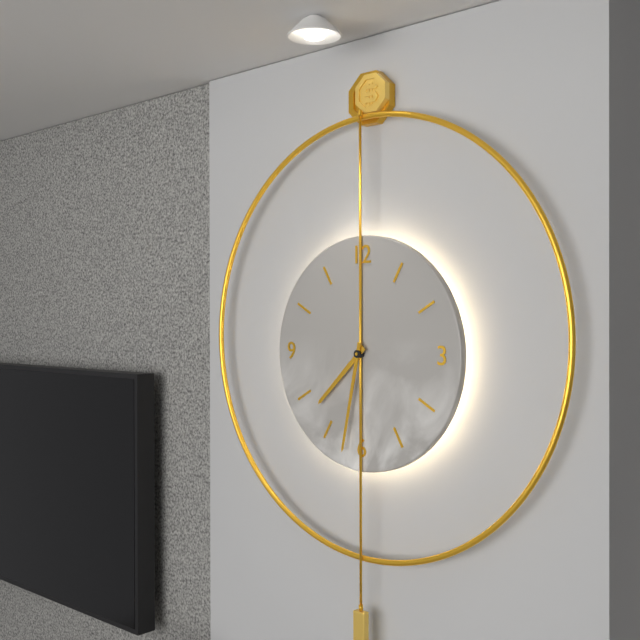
7h32
